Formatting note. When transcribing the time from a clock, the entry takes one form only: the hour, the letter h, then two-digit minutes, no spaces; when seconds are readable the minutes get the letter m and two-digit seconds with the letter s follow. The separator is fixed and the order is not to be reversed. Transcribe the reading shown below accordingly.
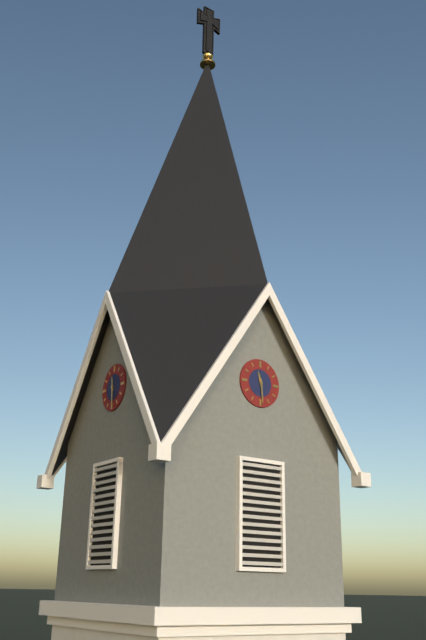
11h29
